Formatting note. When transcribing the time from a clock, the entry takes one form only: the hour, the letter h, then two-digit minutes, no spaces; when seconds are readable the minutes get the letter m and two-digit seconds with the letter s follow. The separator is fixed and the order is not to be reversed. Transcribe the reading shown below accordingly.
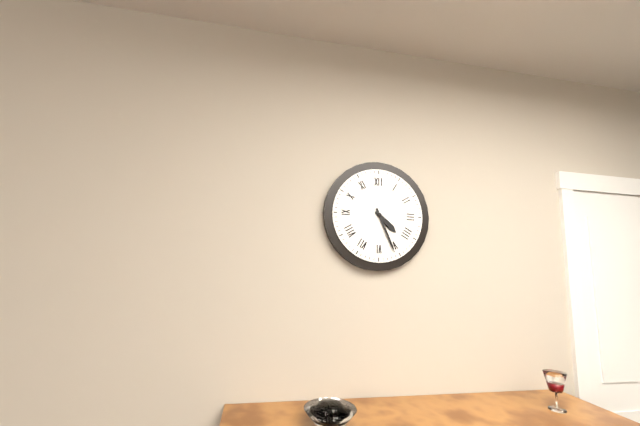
4h26
